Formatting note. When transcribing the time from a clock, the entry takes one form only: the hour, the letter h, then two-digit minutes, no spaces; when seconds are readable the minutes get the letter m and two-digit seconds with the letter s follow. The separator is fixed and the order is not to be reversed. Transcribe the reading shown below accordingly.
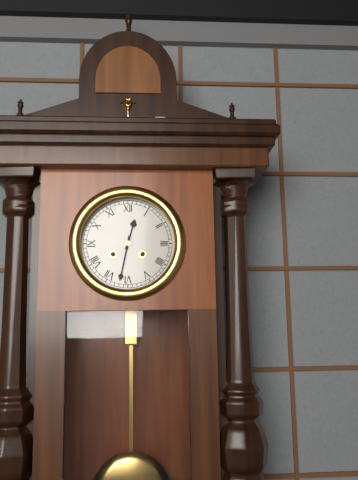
12h32
